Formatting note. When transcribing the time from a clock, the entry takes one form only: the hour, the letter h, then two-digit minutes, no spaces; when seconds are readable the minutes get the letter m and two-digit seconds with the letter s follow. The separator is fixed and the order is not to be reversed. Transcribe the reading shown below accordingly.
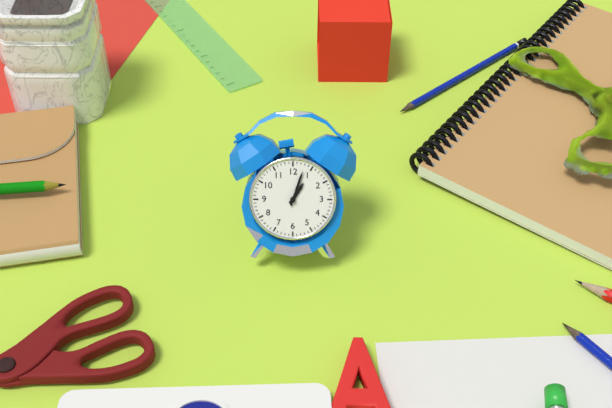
1h03
